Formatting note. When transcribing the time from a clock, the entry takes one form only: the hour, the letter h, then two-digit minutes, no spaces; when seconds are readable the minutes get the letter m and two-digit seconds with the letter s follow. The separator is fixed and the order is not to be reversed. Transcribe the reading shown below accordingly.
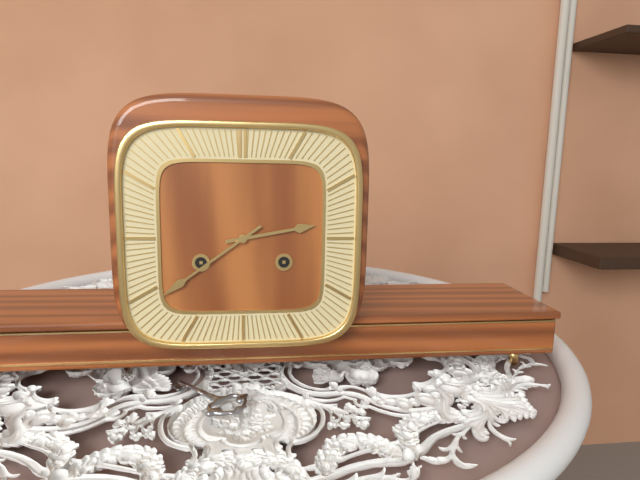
2h39
